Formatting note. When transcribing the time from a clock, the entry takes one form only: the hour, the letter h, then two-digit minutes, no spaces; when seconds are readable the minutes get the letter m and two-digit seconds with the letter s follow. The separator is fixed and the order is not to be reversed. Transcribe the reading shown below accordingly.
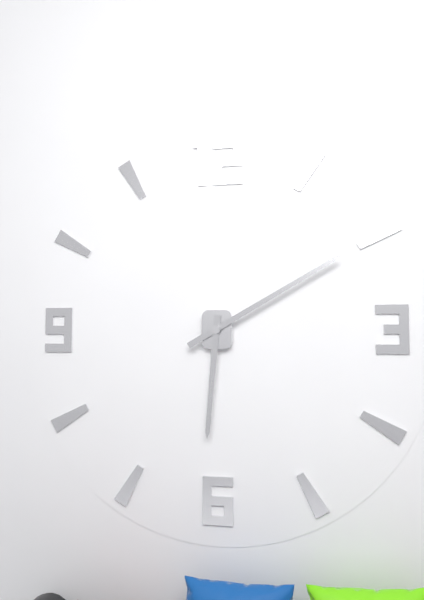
6h10
